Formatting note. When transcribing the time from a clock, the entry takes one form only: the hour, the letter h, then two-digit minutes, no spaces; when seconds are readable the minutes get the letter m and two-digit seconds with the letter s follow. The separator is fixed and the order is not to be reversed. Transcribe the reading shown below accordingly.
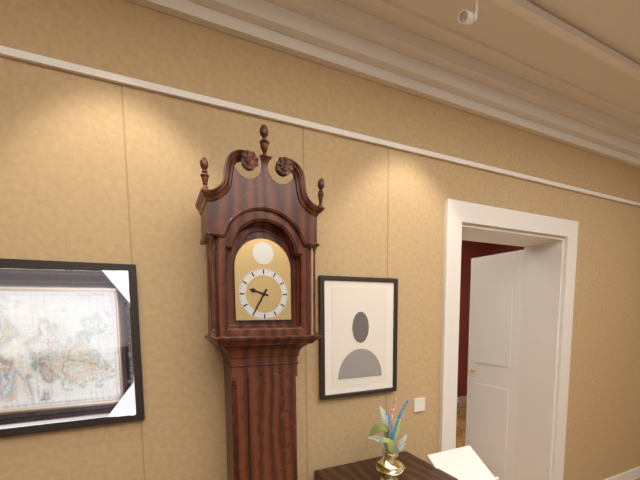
9h35
